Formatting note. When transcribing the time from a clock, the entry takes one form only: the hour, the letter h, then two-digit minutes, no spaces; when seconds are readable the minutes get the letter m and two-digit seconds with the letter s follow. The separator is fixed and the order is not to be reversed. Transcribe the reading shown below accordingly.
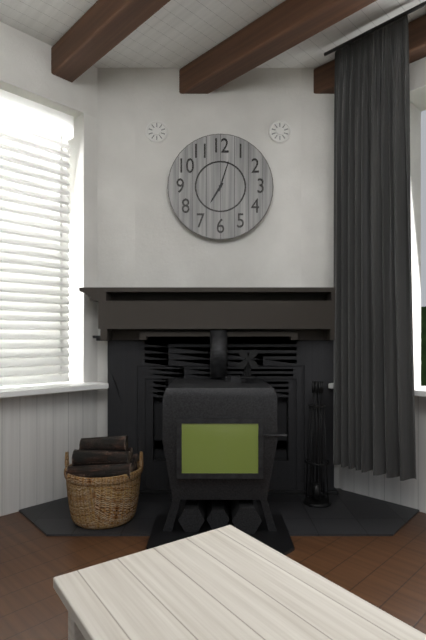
7h03
